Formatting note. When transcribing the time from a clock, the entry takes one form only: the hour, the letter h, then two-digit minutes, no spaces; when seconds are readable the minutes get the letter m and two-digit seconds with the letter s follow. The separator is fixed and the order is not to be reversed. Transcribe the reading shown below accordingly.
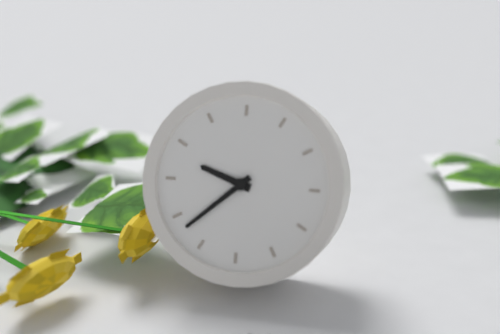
9h38
